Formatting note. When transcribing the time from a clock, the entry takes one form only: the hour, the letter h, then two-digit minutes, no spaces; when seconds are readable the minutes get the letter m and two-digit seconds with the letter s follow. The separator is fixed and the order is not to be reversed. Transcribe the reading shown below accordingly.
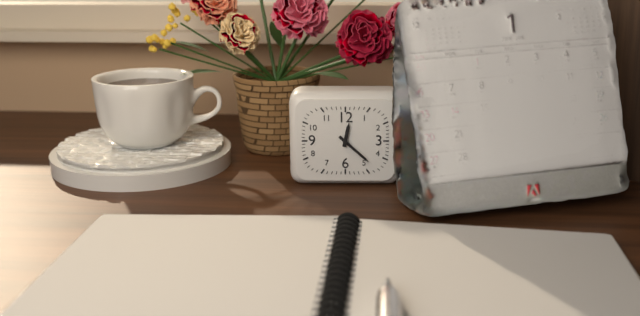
12h22
